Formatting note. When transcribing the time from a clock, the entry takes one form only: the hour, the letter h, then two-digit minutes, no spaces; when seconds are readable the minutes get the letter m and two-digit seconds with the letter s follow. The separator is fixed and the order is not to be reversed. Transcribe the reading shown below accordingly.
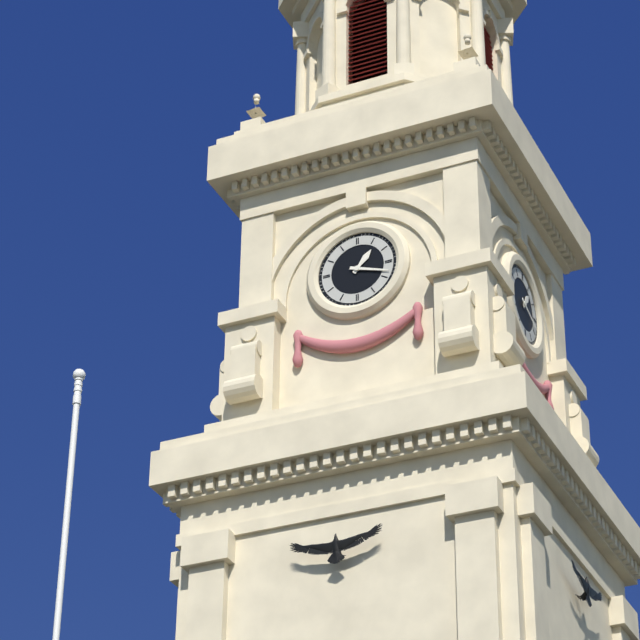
1h18
